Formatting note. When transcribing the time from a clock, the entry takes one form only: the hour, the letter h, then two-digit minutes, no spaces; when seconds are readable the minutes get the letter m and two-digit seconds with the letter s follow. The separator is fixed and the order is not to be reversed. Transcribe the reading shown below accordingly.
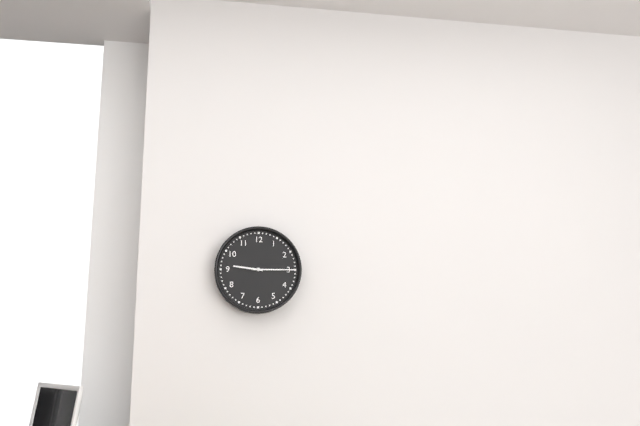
9h15
